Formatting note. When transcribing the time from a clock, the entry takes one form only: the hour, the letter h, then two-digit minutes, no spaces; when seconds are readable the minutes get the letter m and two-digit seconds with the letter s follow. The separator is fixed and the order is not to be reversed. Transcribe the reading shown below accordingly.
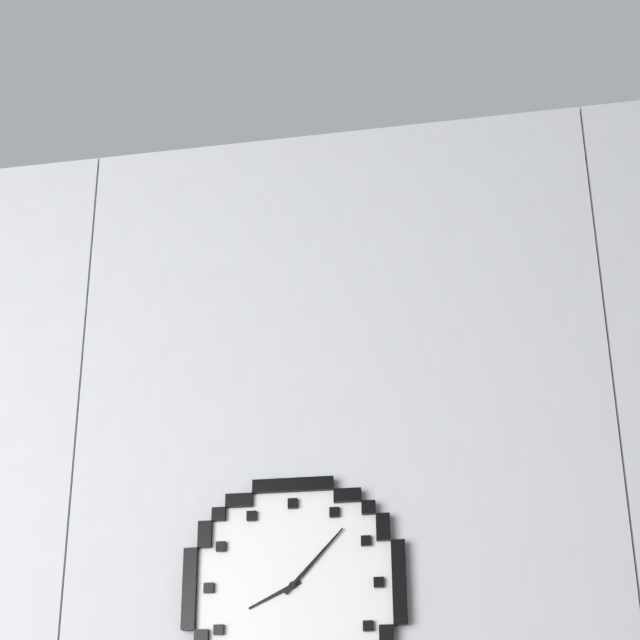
8h07
